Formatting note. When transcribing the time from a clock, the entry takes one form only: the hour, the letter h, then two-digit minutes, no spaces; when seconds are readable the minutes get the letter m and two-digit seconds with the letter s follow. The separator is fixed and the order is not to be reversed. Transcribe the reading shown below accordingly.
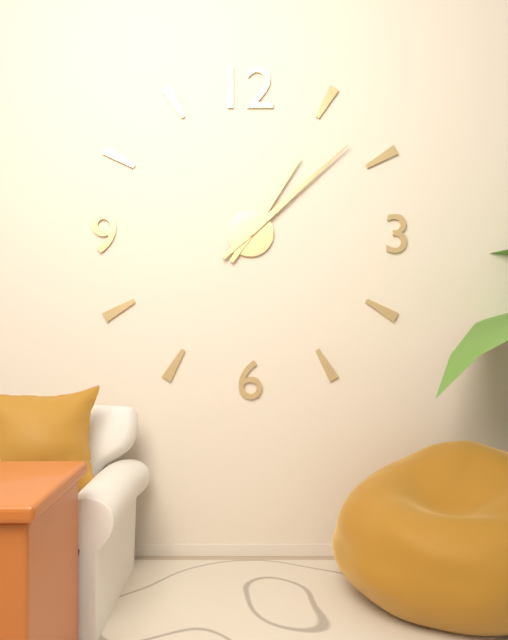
1h08
